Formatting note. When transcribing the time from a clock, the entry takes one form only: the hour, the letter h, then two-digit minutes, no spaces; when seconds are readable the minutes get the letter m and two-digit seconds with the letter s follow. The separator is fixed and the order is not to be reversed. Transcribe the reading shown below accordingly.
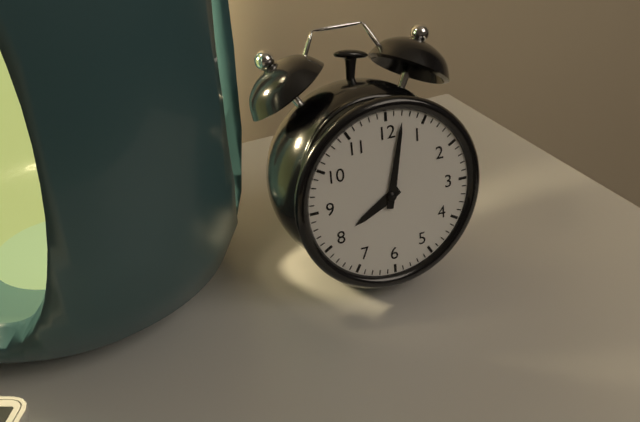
8h02
